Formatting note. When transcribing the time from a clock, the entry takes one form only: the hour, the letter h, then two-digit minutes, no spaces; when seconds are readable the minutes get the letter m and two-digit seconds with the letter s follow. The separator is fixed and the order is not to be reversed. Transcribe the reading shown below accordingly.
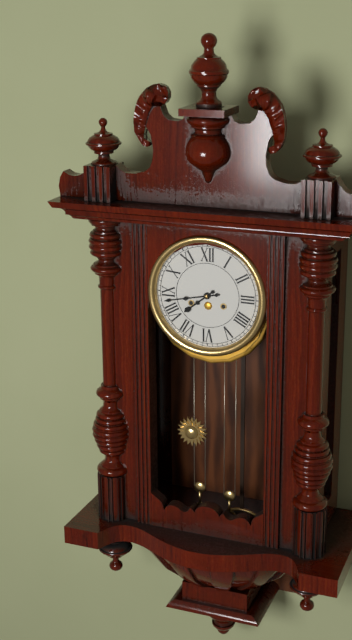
7h43
